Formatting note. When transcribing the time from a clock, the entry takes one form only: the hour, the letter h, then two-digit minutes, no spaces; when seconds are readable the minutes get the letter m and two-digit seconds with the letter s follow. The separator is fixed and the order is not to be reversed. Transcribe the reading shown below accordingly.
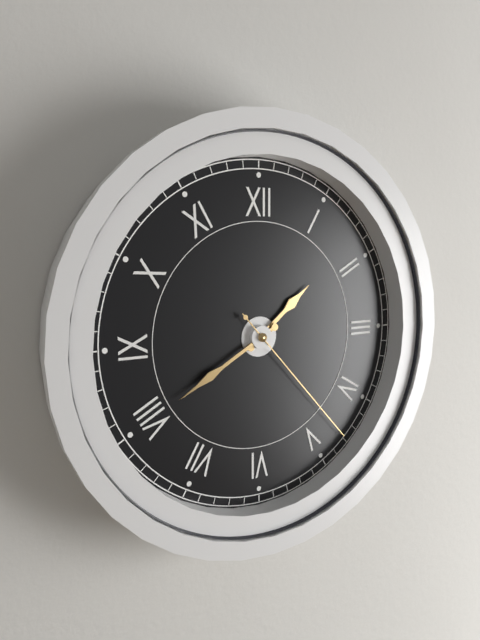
1h40m23s
